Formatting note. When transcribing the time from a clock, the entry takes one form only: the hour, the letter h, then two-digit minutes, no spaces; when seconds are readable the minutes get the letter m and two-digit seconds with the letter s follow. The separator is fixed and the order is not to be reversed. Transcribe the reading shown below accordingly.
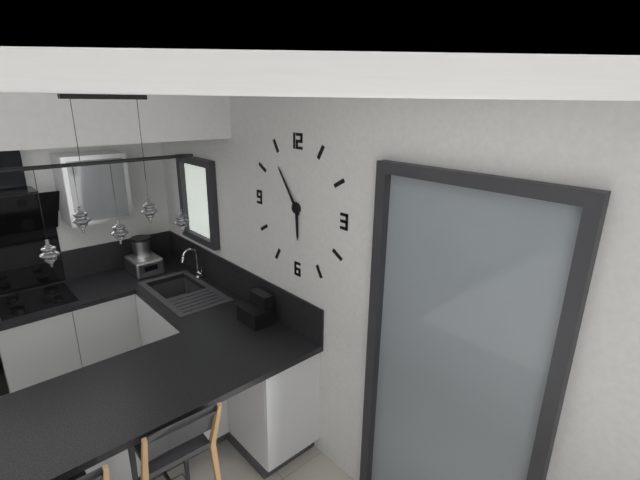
5h54
